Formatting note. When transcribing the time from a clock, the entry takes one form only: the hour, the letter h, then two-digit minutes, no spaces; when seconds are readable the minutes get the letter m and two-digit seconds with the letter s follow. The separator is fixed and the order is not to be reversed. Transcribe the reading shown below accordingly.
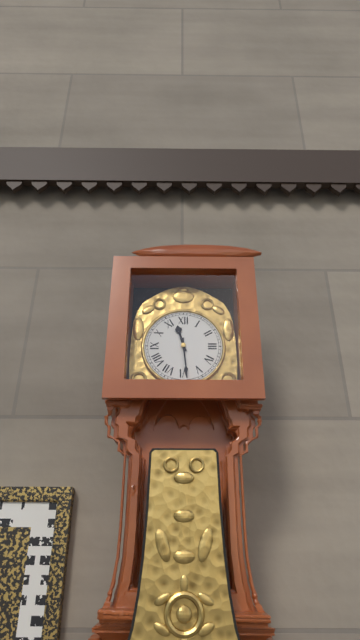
11h29
